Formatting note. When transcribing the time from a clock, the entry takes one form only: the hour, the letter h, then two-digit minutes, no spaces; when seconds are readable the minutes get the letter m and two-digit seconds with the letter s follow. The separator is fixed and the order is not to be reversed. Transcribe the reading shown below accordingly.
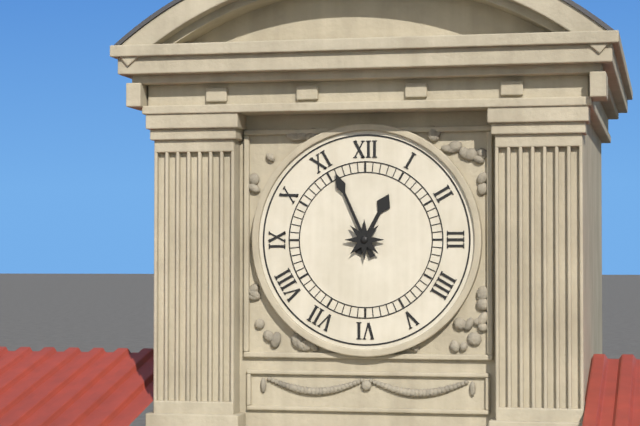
12h56
